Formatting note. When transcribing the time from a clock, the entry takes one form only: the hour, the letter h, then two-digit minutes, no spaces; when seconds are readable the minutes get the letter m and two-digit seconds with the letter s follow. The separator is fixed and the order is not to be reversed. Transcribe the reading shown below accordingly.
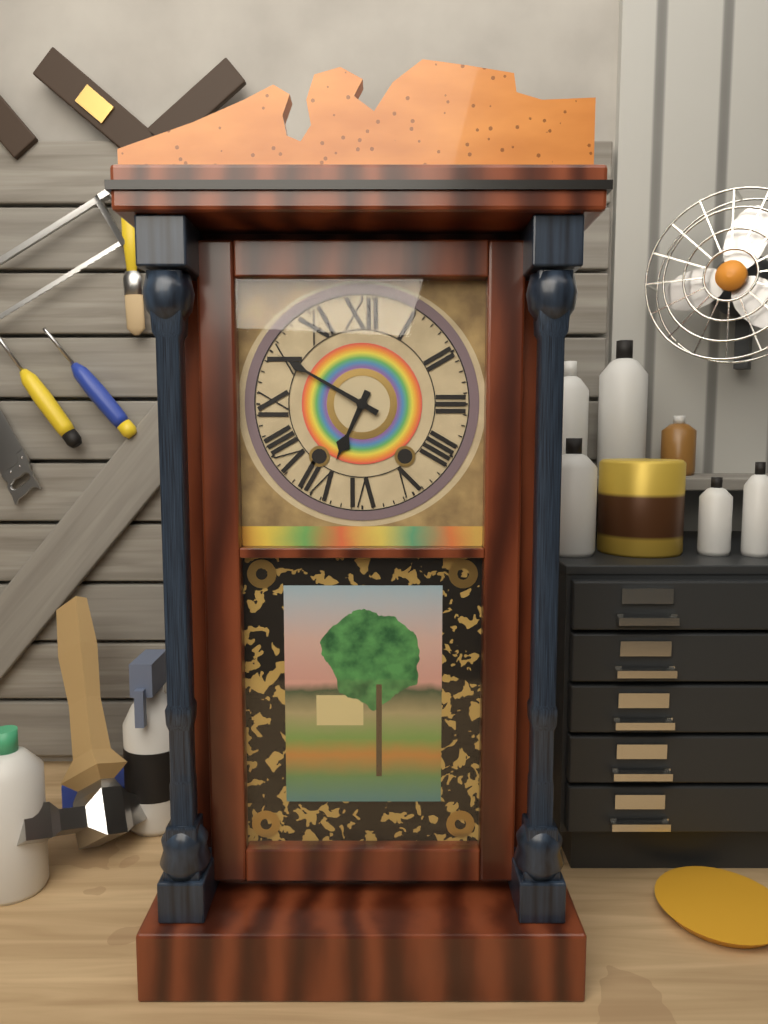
6h50
